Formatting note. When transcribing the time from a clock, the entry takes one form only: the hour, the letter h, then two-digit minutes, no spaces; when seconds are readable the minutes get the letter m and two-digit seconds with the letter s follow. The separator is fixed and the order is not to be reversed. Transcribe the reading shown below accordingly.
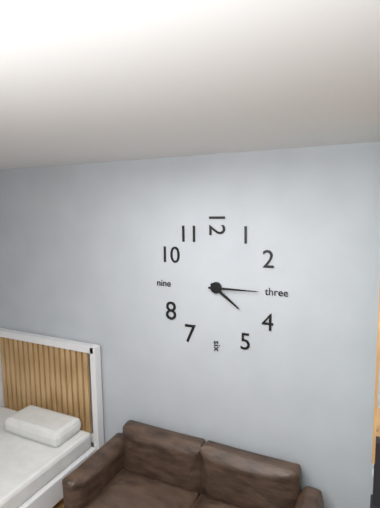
4h15
